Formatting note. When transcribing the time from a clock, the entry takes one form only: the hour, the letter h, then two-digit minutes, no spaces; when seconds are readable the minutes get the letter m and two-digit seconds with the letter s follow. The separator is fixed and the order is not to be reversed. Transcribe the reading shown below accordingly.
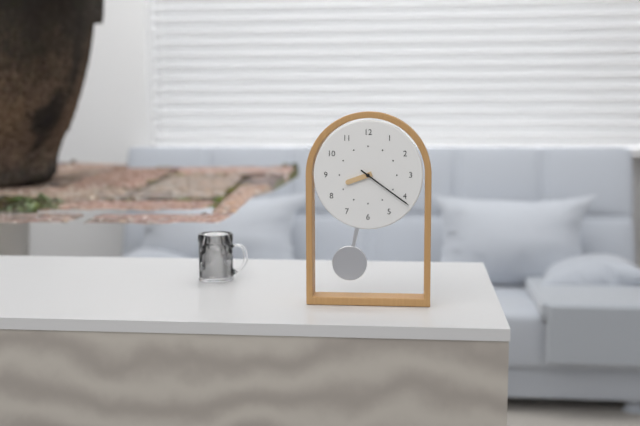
8h21
